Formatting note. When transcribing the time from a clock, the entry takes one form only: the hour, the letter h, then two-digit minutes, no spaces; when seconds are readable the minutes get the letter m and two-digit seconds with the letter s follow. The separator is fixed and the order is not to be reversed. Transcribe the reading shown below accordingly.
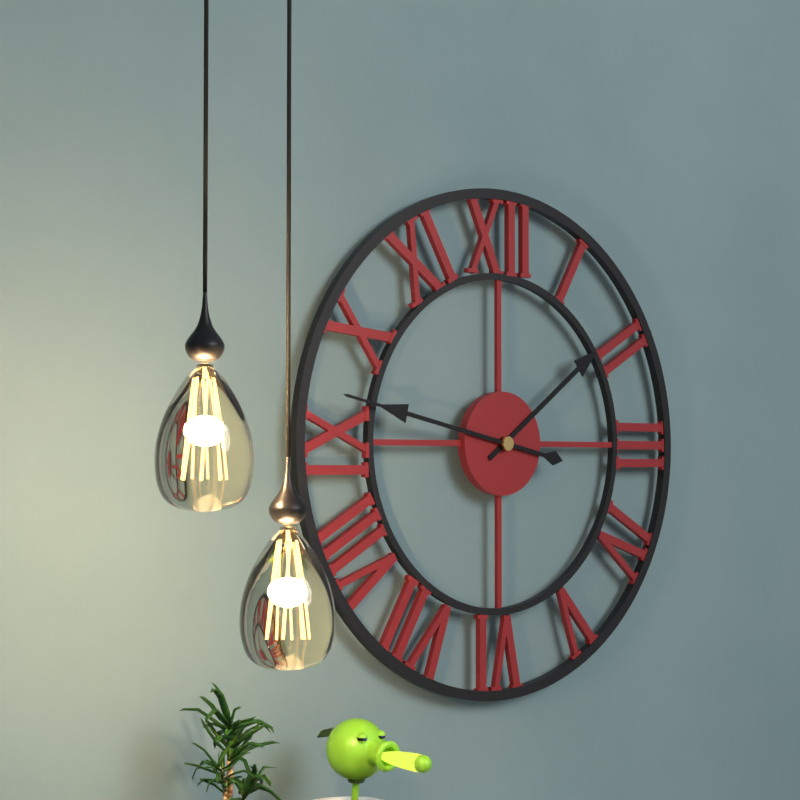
1h47
